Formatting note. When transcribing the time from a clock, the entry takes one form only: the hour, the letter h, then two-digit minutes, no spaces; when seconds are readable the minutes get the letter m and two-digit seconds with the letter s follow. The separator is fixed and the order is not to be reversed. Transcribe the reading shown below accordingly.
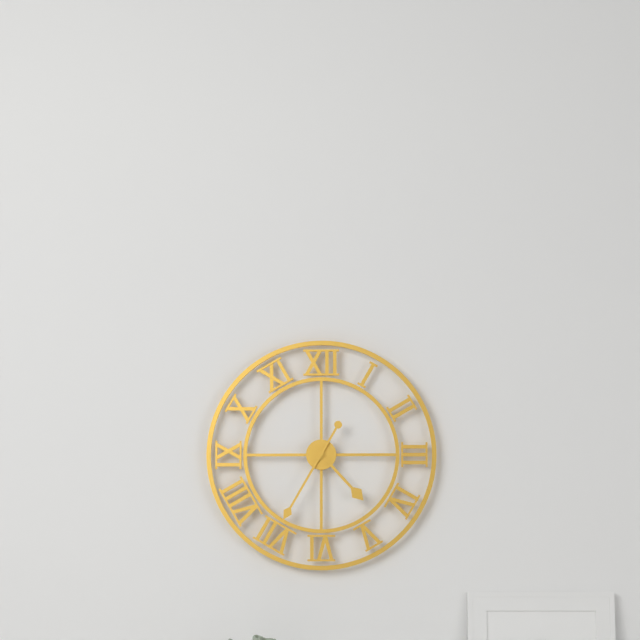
4h35
